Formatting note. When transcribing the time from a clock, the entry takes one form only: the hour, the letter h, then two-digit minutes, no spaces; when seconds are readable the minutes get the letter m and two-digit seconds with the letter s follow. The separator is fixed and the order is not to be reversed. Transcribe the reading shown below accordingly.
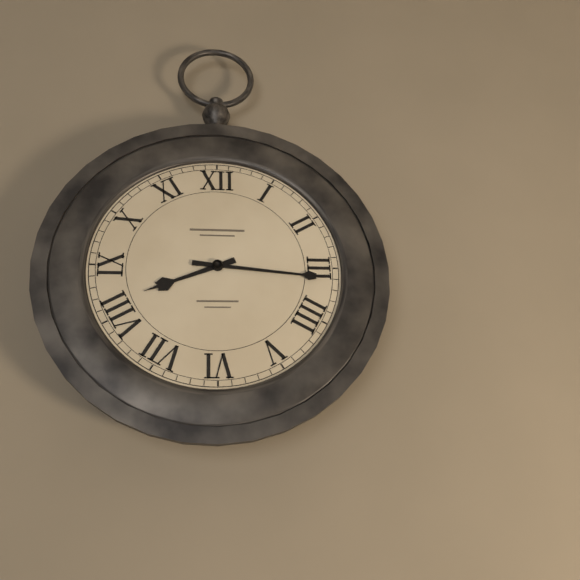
8h16
